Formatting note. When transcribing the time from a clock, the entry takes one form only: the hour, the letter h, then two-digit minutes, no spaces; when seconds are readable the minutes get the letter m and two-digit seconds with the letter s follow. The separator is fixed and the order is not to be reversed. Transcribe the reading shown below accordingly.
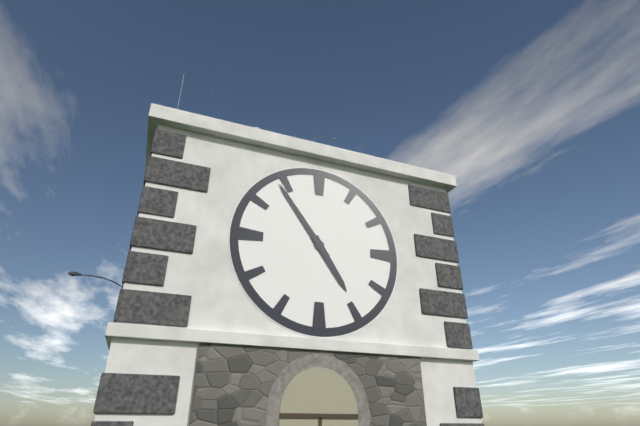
4h54
